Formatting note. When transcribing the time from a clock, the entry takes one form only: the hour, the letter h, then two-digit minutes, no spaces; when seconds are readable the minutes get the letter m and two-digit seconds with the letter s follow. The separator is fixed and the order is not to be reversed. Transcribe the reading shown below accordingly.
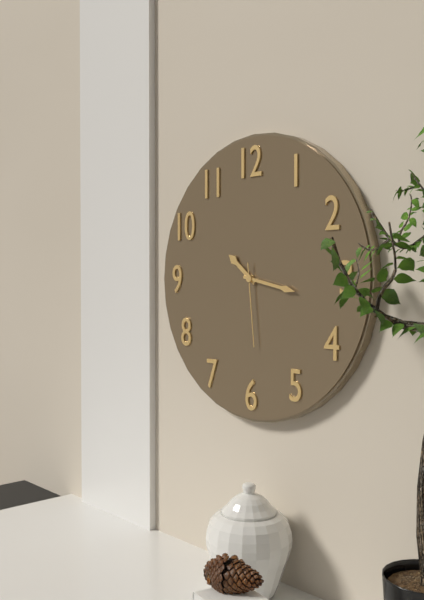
10h17m29s
